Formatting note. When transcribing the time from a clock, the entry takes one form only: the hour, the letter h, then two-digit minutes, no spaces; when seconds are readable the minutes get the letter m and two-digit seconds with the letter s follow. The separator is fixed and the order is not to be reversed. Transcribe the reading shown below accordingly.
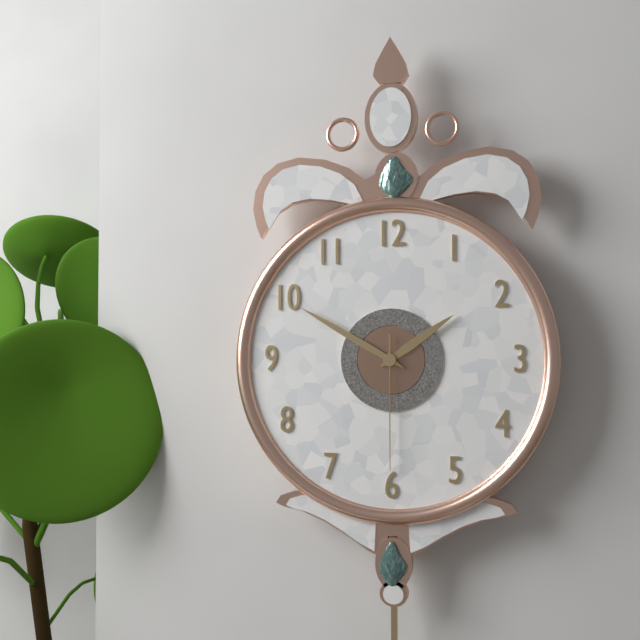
1h50m30s
